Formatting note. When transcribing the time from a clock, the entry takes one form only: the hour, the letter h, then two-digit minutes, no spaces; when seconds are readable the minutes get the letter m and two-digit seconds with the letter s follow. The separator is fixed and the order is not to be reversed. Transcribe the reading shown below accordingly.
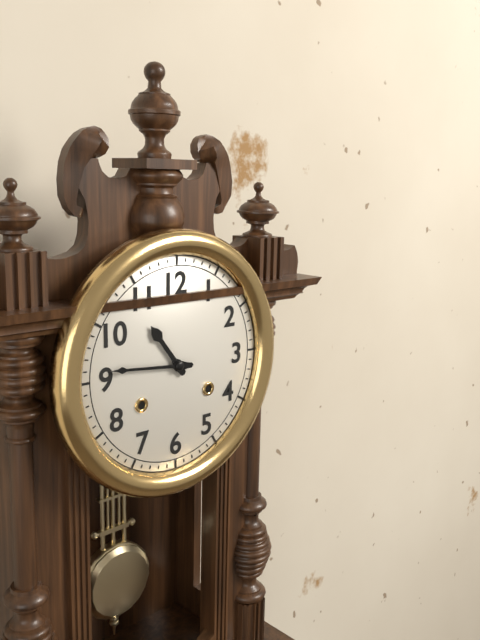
10h46
